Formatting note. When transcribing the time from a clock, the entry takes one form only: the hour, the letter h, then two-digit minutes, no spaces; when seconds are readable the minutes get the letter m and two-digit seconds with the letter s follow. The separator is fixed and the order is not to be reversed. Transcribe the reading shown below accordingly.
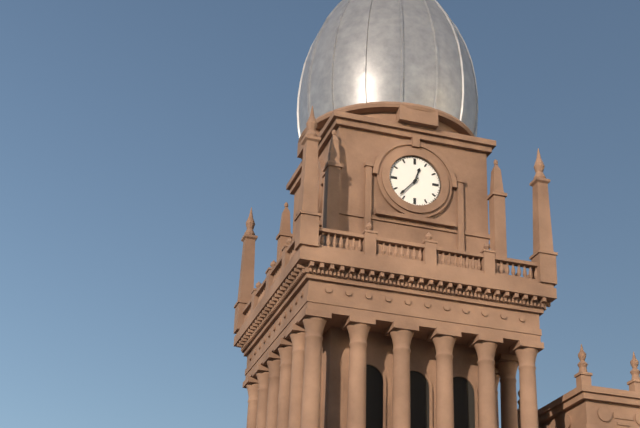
12h37
